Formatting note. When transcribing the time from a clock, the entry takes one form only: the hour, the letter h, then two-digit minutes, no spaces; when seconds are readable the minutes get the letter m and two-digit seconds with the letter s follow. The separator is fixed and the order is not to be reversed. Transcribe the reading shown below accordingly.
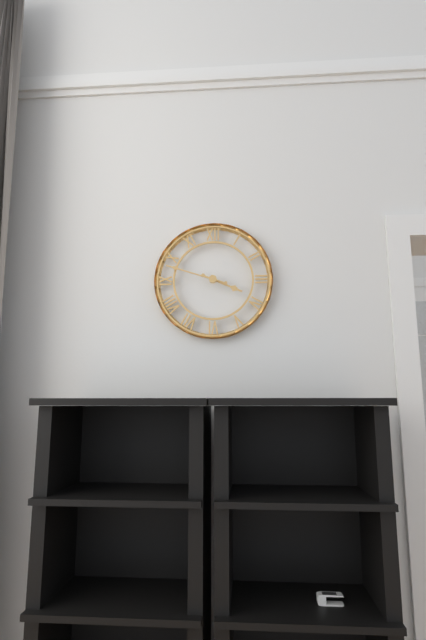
3h48
